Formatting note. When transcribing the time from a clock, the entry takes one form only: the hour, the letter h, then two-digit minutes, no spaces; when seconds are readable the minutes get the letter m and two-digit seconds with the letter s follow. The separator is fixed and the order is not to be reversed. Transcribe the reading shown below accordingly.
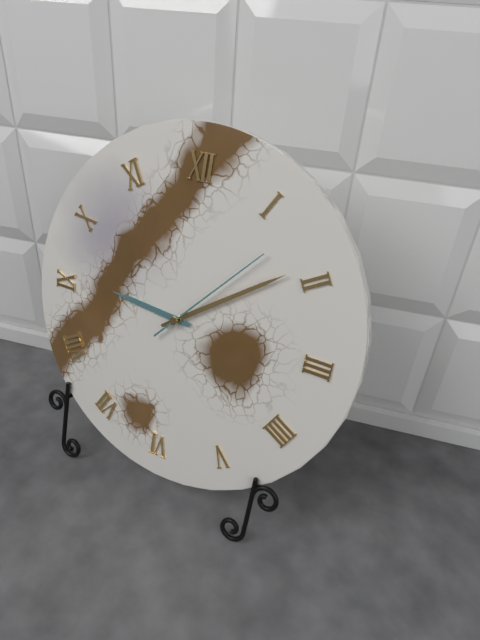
9h09m07s
